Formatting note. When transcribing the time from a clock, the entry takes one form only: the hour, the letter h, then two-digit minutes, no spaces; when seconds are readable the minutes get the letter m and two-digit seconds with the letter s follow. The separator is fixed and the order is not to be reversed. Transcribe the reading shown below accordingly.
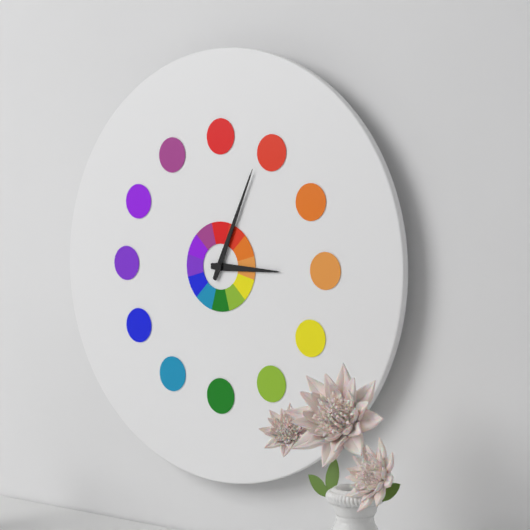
3h04
